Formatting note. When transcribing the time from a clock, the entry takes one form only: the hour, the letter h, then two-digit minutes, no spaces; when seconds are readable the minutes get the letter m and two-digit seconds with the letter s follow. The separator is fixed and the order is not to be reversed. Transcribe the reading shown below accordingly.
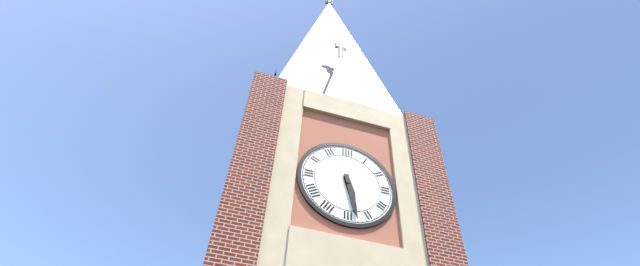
5h28
